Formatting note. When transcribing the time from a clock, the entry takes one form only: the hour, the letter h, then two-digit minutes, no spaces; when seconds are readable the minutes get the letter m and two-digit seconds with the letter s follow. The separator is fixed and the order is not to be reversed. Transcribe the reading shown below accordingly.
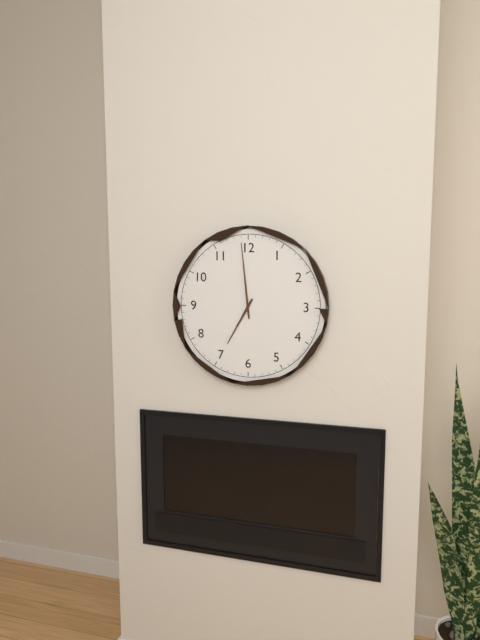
6h59
